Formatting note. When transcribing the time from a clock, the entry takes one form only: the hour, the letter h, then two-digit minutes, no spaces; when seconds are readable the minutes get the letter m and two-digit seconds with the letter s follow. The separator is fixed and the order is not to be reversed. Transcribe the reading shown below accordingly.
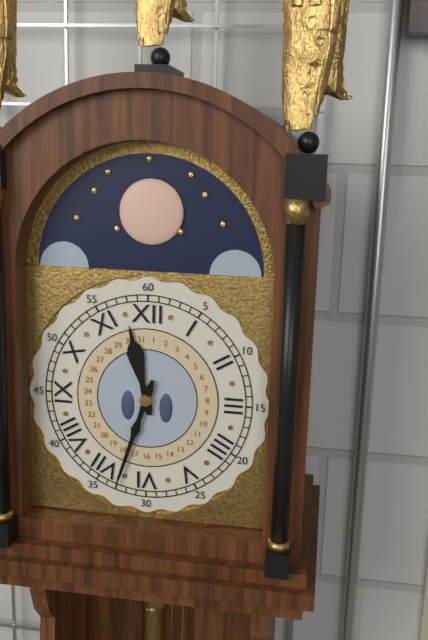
11h33
